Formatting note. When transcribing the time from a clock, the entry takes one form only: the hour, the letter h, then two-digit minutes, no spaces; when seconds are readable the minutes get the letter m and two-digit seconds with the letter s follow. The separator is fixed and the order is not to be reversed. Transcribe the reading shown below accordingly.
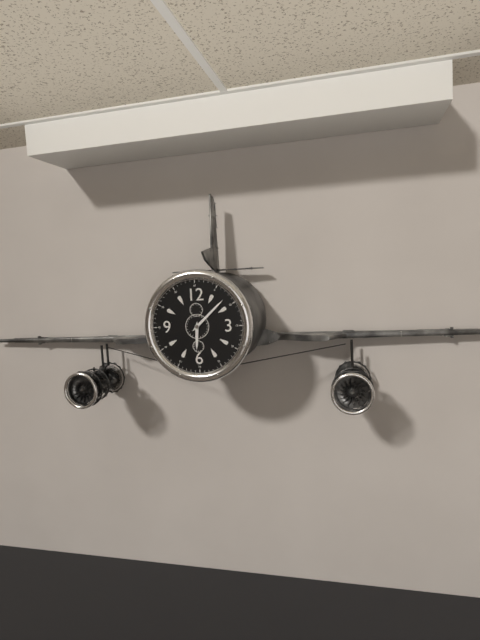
6h08
